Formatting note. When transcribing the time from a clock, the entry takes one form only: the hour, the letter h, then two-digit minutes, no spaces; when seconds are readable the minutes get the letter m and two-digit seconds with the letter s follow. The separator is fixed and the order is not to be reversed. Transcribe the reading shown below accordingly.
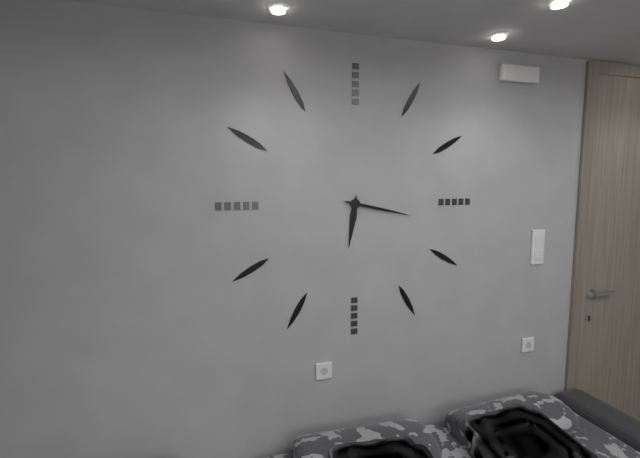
6h17
